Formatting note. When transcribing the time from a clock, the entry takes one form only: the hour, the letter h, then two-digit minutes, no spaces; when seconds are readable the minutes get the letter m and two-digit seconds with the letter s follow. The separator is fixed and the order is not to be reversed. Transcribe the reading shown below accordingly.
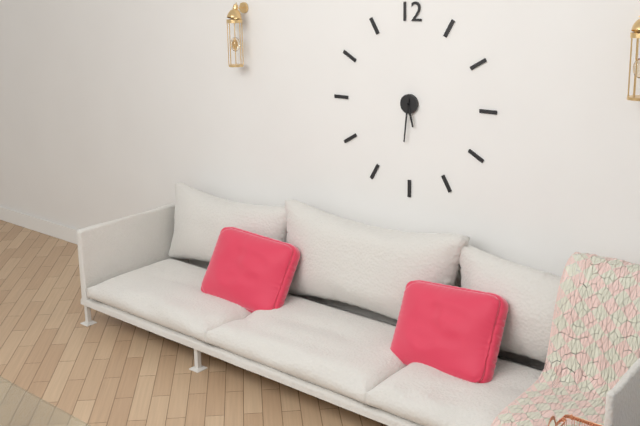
5h31
